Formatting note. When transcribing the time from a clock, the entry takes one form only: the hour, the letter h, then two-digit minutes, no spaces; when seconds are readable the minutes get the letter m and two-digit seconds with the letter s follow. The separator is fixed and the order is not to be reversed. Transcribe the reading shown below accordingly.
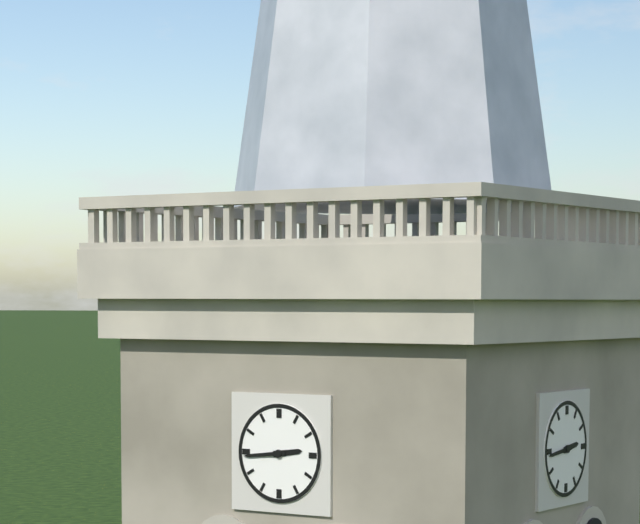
2h44
